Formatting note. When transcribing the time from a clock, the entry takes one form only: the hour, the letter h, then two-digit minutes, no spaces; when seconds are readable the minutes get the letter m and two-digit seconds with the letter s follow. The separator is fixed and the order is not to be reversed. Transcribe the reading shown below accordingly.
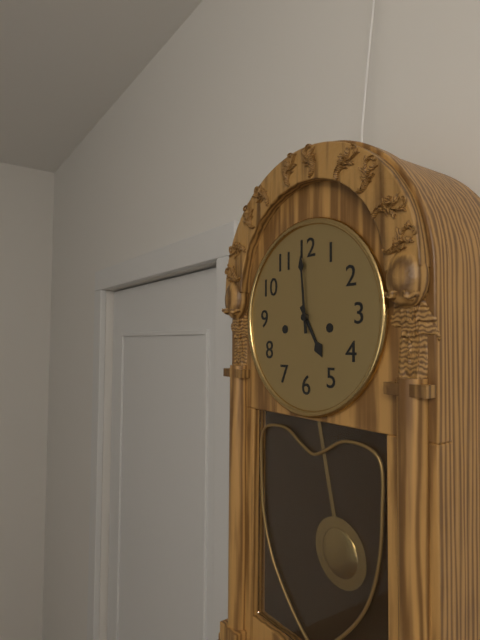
4h59
